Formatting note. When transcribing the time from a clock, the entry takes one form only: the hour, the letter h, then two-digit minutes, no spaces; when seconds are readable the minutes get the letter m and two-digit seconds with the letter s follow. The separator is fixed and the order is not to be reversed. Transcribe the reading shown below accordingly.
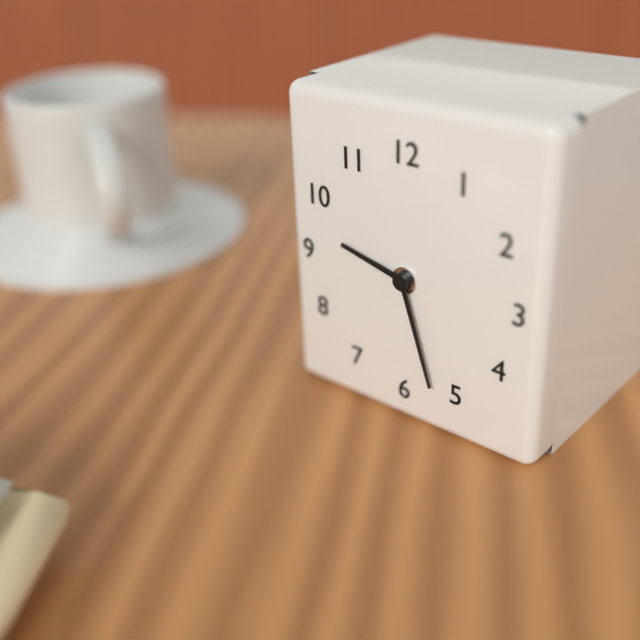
9h27
